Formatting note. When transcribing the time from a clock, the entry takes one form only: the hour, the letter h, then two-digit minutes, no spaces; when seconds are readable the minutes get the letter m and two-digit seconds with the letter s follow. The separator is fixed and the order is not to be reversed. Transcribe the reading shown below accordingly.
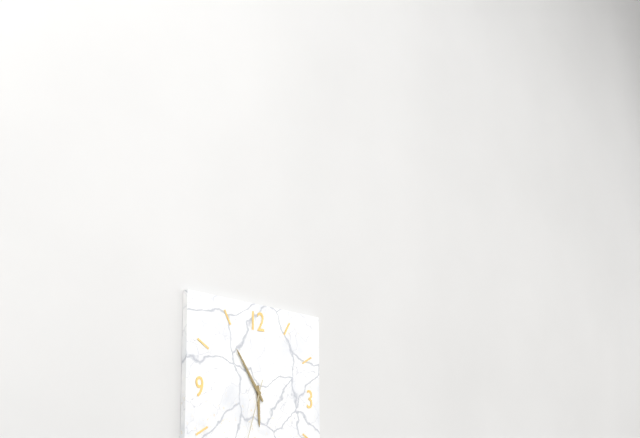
5h54
